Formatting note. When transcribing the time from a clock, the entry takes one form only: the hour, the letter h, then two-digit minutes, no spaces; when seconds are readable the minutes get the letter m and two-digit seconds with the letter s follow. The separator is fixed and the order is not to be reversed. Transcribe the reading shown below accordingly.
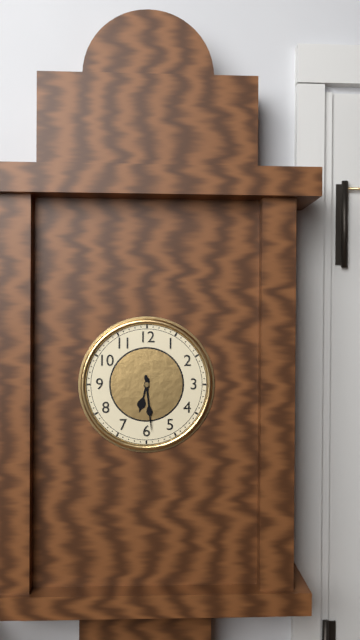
6h29
